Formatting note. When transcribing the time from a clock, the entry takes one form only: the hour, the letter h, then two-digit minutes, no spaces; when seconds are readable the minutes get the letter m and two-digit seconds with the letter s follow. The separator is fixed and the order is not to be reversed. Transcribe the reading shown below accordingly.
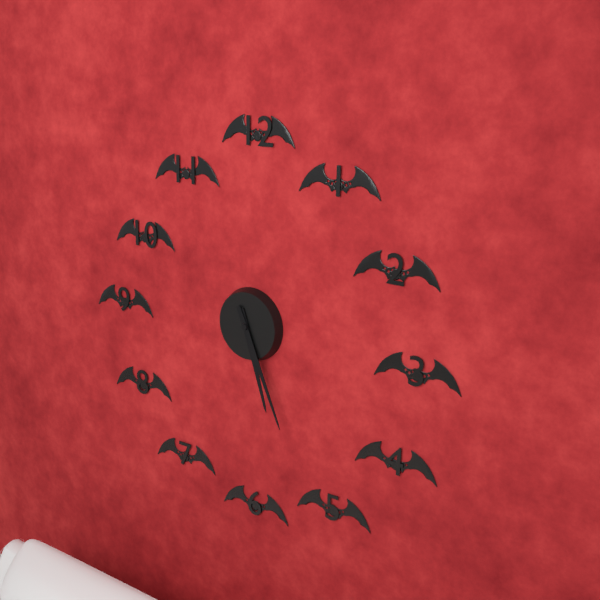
5h26
